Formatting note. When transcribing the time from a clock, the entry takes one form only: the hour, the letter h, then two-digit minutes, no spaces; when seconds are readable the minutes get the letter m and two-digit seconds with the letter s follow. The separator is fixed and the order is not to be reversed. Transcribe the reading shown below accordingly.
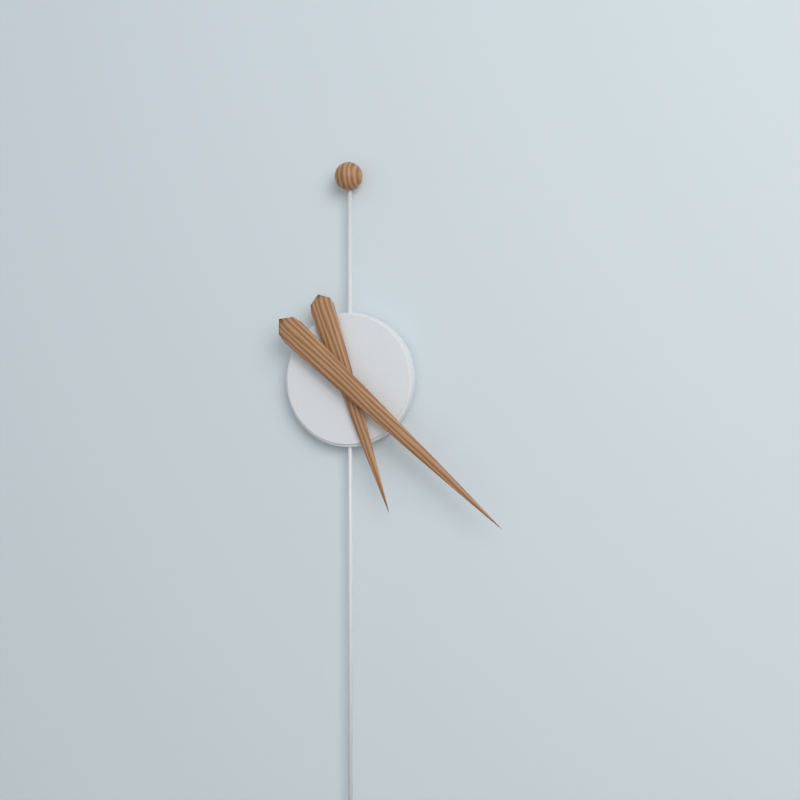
5h22
